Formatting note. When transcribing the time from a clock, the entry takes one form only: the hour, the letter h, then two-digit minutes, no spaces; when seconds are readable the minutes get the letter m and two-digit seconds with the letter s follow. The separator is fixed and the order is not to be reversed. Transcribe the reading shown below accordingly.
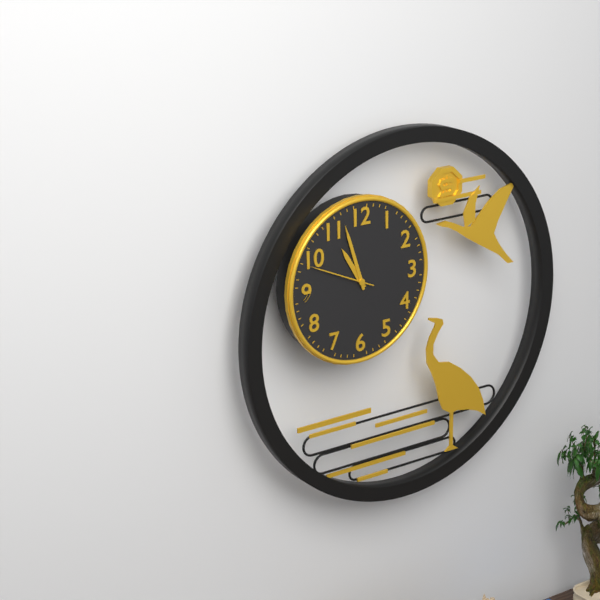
10h57m49s
